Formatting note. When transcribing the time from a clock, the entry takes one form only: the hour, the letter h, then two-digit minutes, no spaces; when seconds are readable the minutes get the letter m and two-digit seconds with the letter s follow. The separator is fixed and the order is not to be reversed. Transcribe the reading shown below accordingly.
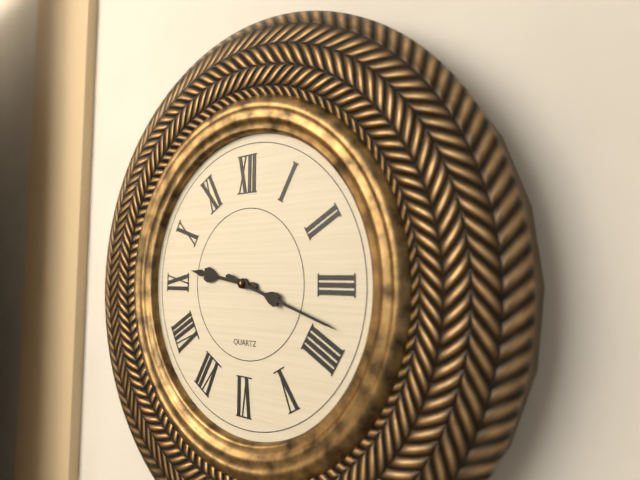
9h18
